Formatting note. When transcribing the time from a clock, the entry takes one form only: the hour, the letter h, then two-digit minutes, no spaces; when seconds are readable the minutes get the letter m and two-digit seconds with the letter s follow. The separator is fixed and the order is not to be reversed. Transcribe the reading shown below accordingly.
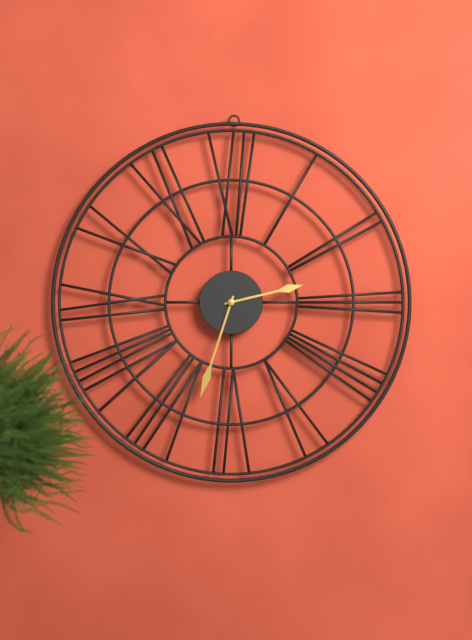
2h33
